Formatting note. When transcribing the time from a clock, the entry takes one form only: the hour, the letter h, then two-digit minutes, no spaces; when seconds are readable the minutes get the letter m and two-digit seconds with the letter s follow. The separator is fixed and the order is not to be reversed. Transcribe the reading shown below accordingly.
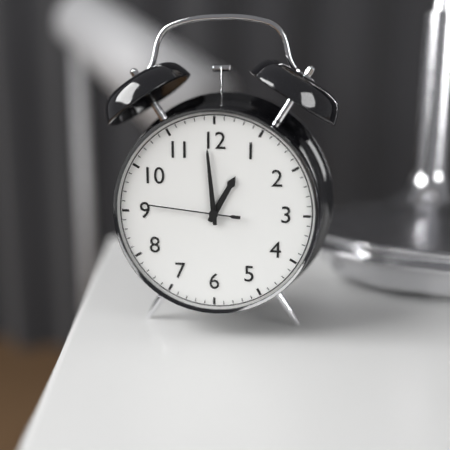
12h59m46s
